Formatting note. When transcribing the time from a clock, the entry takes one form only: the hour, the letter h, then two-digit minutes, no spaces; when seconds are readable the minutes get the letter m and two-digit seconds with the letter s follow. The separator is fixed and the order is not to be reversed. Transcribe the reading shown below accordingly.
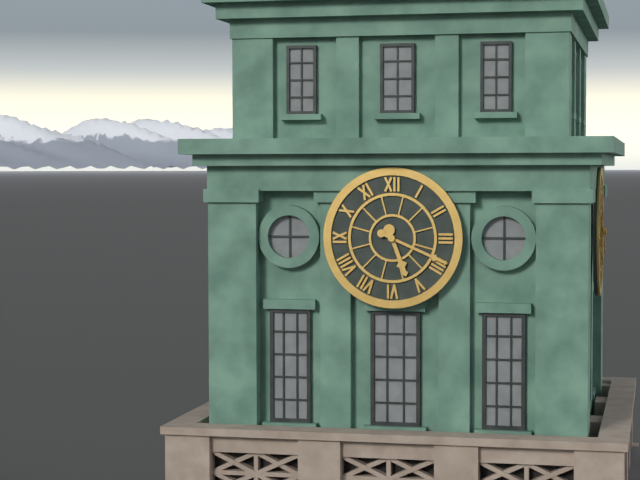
5h19
